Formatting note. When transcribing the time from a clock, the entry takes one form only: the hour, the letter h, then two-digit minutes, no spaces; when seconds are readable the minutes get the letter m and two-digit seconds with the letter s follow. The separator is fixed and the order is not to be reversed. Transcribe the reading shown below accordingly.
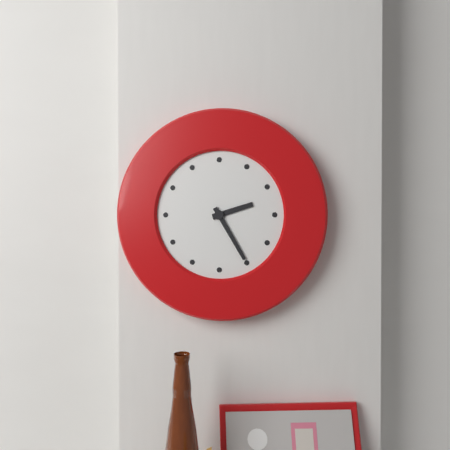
2h25
